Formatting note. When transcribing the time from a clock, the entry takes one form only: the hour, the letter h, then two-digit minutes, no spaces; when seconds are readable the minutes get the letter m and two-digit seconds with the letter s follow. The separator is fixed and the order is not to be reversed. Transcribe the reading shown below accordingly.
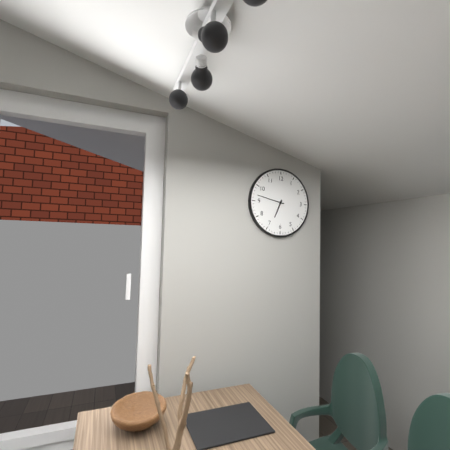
6h47
